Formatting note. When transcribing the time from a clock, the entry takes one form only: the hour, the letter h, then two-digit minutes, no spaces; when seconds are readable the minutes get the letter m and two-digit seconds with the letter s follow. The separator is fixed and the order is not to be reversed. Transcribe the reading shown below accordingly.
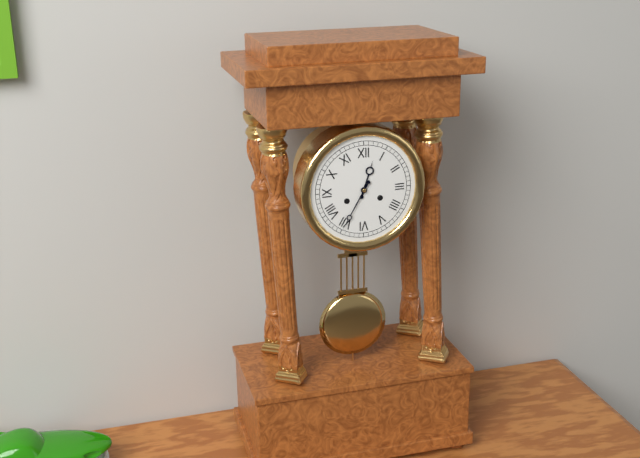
12h35
